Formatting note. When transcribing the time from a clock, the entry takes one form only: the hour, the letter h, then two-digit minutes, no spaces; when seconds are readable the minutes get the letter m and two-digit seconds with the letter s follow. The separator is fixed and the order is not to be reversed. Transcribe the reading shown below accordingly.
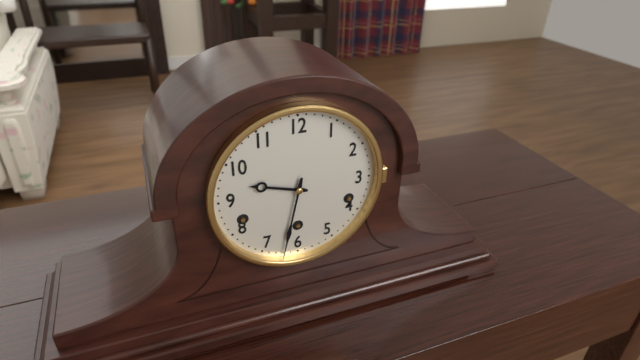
9h32
